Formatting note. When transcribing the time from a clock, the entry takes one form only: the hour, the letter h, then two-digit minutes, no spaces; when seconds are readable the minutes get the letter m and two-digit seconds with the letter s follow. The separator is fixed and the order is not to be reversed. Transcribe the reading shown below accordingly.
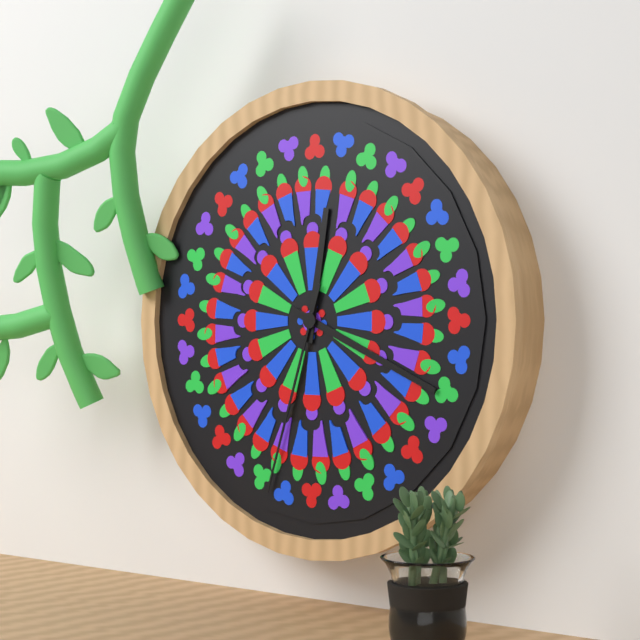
12h19m33s
